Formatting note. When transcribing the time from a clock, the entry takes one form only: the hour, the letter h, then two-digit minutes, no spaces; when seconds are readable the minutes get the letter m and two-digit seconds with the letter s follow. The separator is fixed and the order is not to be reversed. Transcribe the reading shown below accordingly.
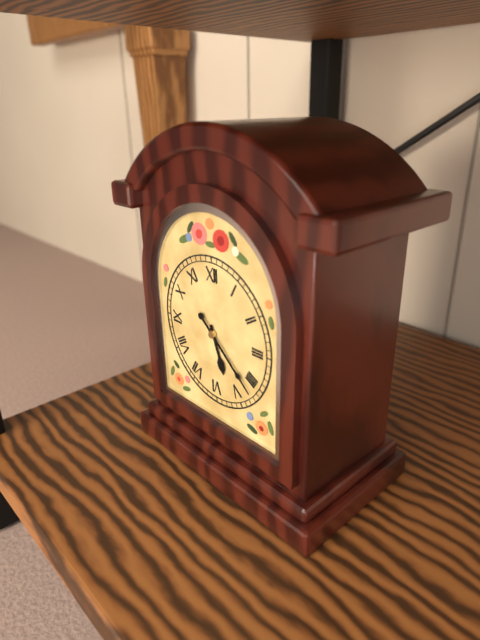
5h22
